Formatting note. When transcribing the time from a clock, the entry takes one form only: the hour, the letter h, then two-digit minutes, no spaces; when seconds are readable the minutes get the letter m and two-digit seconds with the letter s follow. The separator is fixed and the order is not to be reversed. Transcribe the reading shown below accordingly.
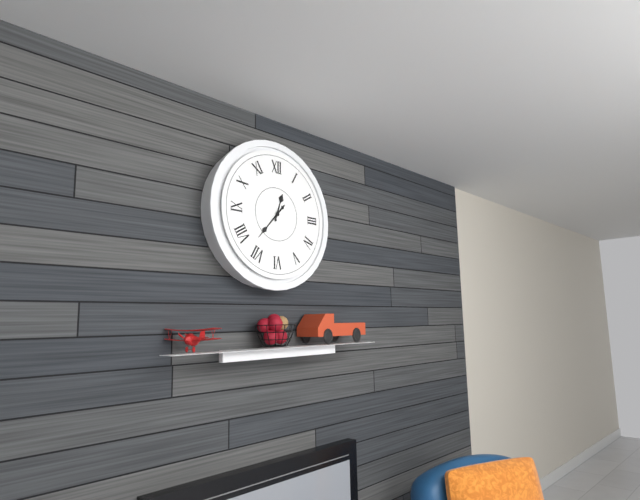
12h37
